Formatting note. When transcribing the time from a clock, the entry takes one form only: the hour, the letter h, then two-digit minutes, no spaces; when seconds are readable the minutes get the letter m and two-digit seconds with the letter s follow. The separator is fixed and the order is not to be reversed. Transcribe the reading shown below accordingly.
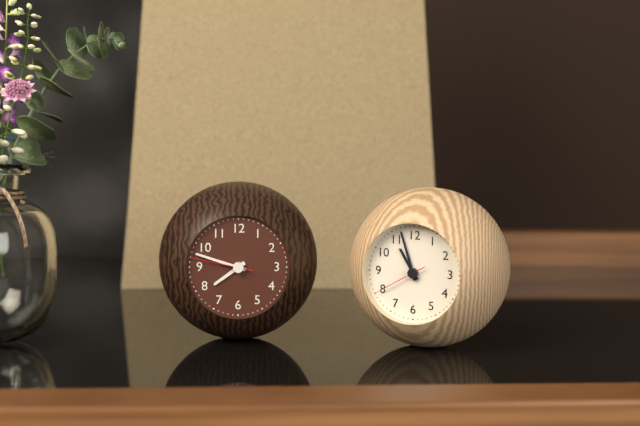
7h48m47s
